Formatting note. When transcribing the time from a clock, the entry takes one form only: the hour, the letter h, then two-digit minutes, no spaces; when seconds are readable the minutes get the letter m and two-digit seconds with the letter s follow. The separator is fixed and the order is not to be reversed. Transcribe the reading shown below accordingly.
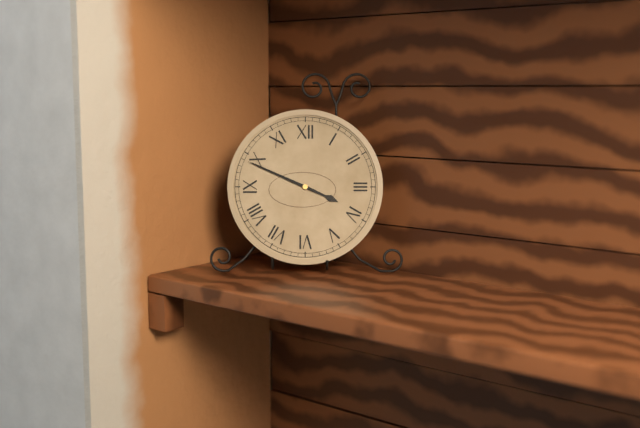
3h49
